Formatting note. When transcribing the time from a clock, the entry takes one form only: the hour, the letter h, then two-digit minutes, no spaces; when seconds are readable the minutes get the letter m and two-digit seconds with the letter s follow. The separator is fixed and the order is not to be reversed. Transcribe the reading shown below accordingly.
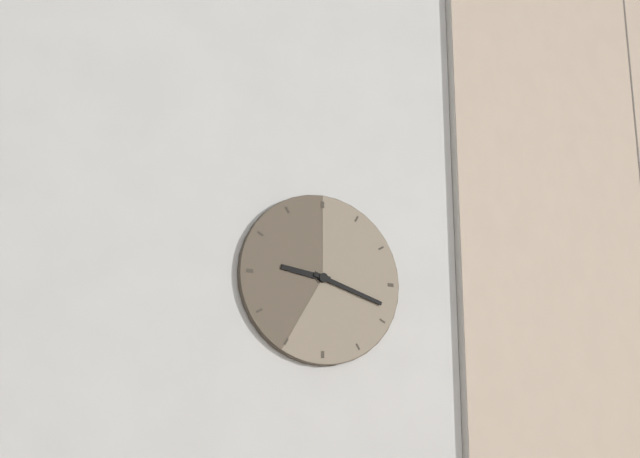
9h18
